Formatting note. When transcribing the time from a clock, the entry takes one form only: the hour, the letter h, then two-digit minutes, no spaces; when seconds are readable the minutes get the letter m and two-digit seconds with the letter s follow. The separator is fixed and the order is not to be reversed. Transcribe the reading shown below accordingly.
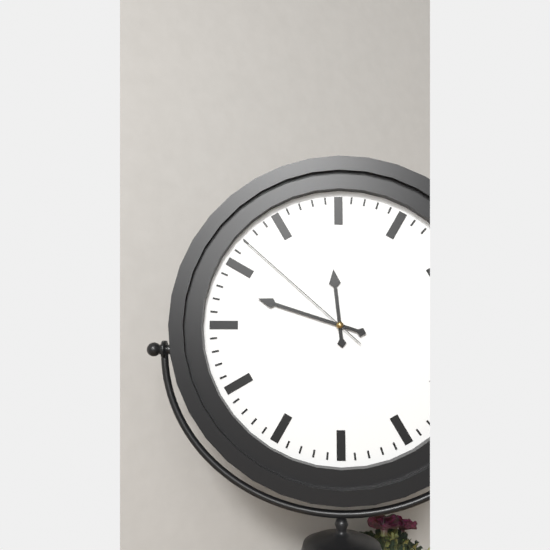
11h48m52s
